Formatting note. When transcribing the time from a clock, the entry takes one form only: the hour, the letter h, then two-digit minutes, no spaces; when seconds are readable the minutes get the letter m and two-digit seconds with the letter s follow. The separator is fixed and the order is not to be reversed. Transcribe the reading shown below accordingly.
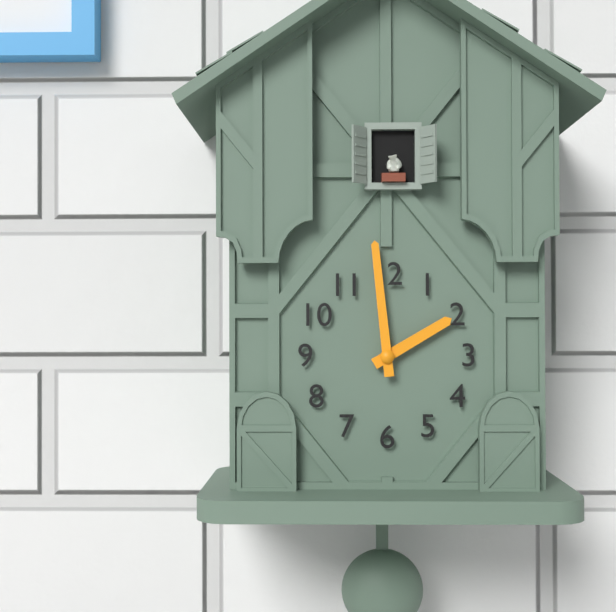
1h59
